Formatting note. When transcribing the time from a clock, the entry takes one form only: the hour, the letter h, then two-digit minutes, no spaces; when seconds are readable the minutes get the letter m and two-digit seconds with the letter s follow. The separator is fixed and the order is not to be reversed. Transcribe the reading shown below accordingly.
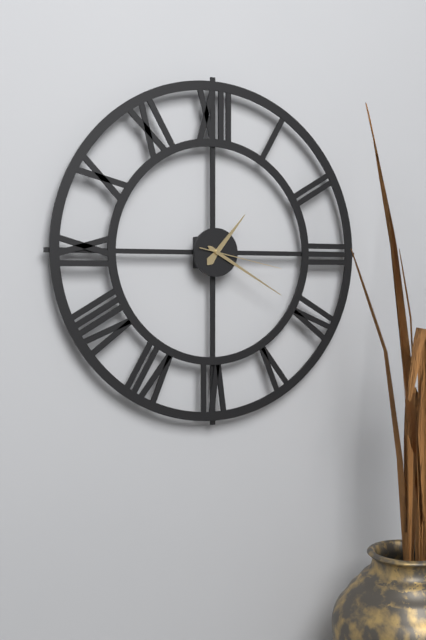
1h20m17s
